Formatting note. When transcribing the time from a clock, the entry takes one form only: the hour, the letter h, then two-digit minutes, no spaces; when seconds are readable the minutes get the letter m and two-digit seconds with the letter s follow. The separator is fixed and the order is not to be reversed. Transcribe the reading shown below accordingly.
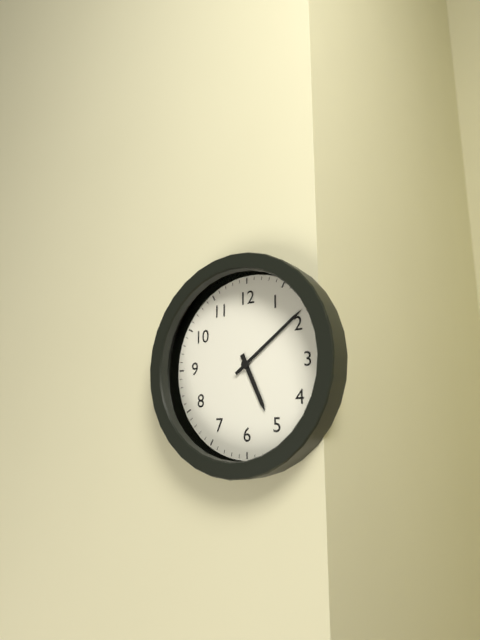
5h09
